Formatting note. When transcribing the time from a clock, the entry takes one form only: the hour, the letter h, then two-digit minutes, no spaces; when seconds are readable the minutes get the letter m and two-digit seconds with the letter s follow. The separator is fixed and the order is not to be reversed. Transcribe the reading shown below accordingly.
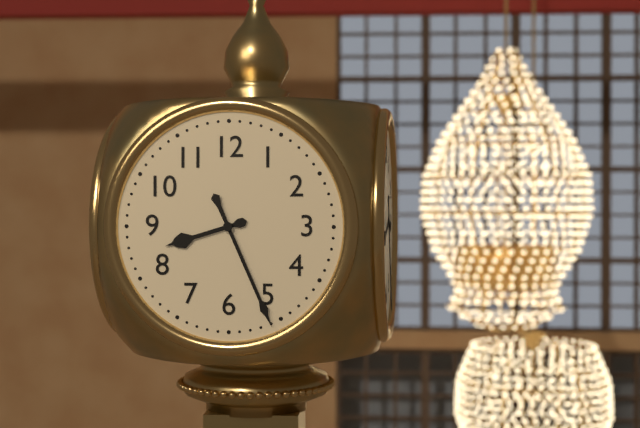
8h26
